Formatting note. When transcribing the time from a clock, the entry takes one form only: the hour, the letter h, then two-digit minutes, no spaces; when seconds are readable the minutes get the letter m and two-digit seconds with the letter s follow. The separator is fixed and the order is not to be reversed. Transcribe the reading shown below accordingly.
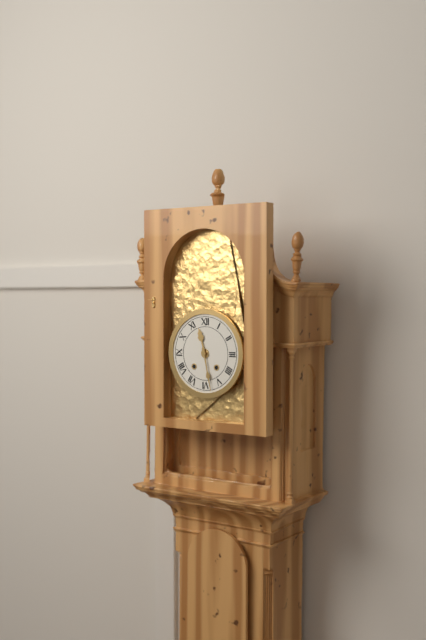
11h28
